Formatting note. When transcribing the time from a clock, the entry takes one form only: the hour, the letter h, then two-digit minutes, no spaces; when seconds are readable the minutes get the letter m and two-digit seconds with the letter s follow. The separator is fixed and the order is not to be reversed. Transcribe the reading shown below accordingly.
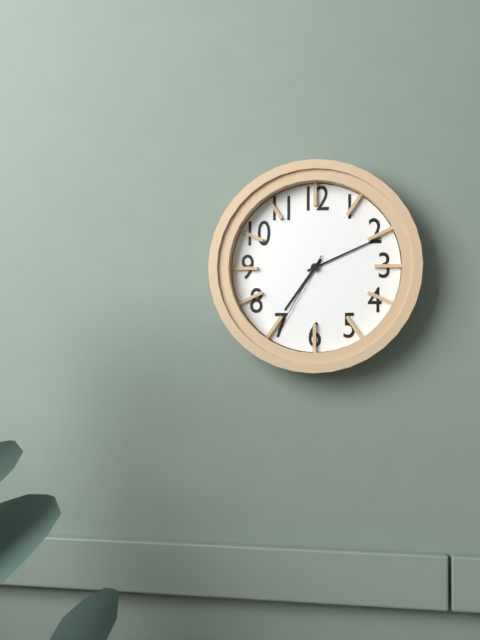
7h11m35s
